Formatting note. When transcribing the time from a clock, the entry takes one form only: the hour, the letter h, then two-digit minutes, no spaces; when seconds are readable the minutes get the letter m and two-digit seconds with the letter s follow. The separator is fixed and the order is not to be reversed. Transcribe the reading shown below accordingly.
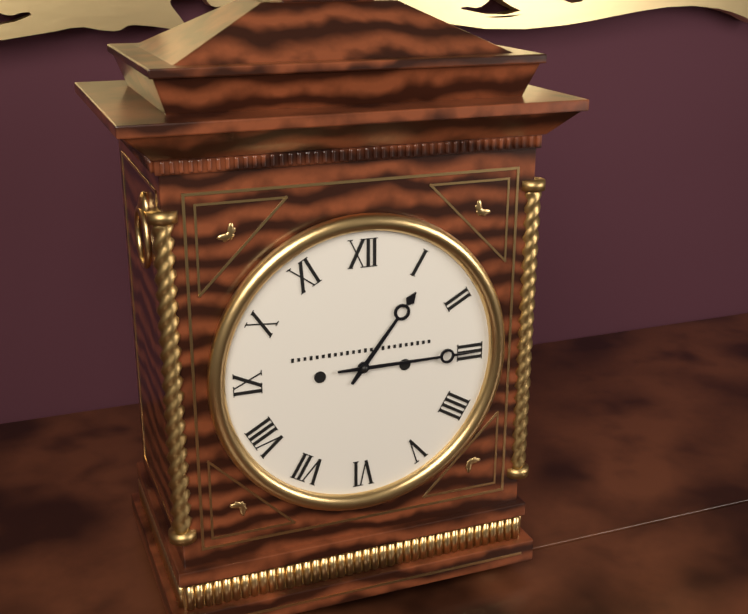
1h15
